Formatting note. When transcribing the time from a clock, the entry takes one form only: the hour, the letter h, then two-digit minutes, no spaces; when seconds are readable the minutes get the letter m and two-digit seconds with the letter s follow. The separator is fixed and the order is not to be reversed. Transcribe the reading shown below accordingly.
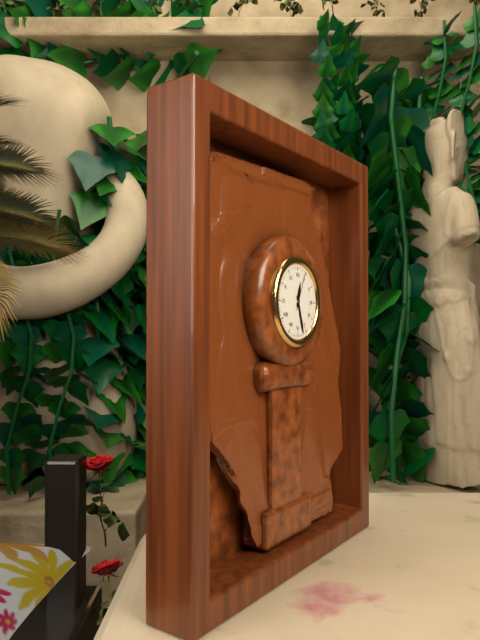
12h27
